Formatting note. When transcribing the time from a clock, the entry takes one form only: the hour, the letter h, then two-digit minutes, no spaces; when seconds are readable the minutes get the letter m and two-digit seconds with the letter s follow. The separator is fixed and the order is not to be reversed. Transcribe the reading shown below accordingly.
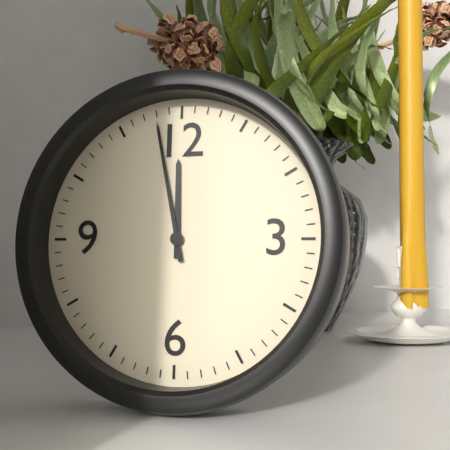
11h58
